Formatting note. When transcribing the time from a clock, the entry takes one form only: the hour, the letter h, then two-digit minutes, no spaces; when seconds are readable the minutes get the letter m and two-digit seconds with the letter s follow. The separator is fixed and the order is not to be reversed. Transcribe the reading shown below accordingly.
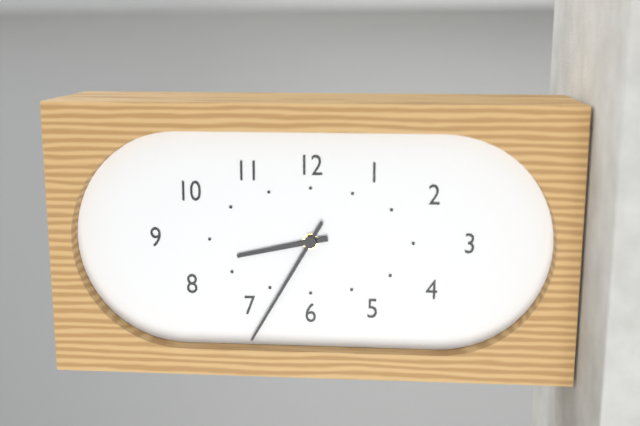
8h35
